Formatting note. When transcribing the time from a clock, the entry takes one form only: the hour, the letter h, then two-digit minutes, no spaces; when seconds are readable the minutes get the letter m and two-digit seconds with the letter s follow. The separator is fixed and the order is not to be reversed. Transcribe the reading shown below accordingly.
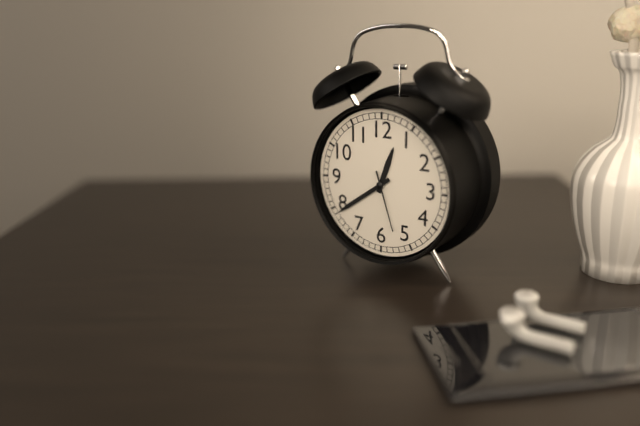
12h39m27s
